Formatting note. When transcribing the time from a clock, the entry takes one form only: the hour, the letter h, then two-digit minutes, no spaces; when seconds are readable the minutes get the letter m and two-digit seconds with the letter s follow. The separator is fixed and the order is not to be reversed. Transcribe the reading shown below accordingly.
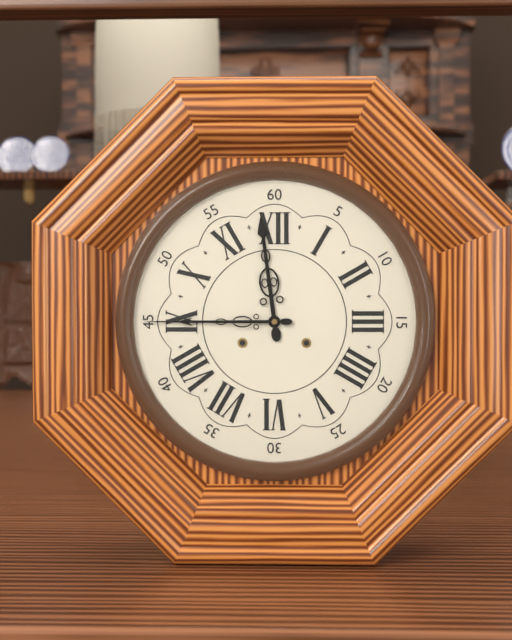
11h45
